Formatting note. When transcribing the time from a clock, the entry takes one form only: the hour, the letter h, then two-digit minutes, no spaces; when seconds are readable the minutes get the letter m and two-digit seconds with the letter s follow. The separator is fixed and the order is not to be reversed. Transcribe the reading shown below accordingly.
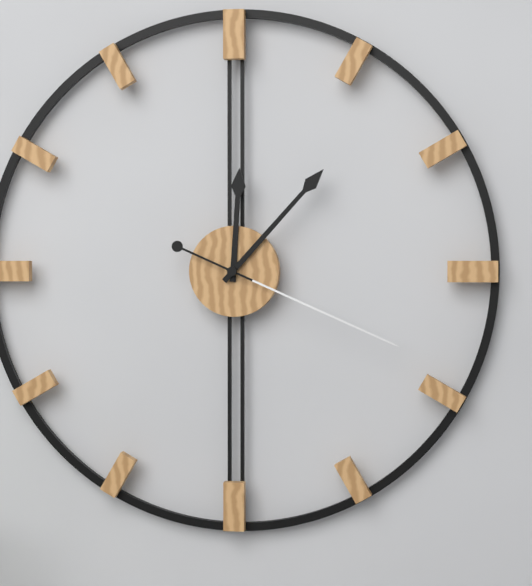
12h07m19s
